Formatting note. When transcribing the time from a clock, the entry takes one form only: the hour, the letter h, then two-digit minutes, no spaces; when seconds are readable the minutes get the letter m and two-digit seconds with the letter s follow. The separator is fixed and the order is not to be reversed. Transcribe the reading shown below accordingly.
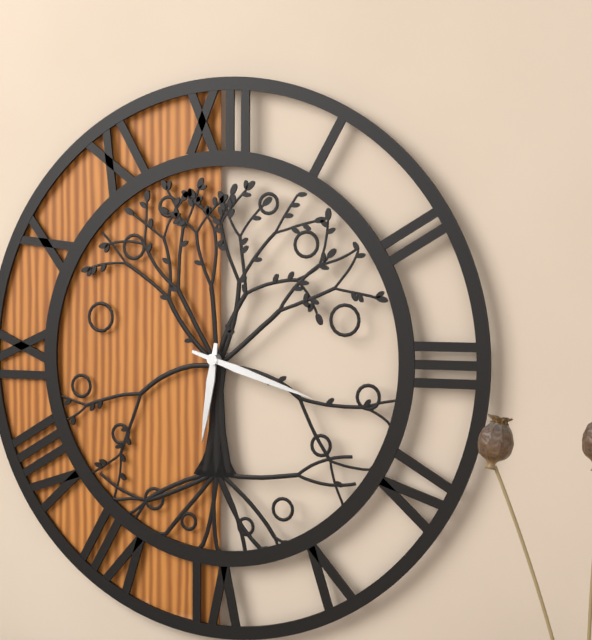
6h18
